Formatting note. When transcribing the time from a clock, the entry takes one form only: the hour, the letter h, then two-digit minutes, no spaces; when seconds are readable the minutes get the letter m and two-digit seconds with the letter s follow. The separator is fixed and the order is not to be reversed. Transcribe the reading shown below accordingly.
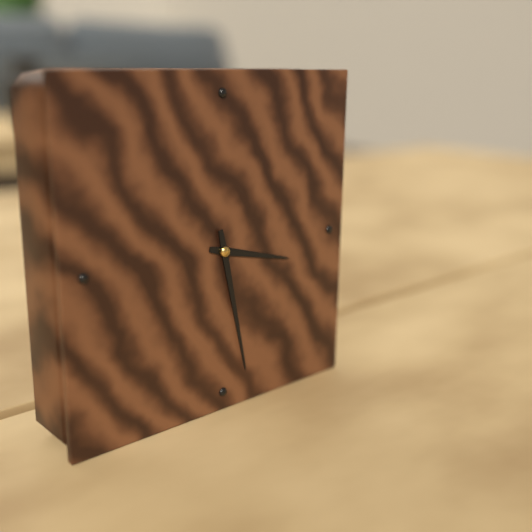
3h28
